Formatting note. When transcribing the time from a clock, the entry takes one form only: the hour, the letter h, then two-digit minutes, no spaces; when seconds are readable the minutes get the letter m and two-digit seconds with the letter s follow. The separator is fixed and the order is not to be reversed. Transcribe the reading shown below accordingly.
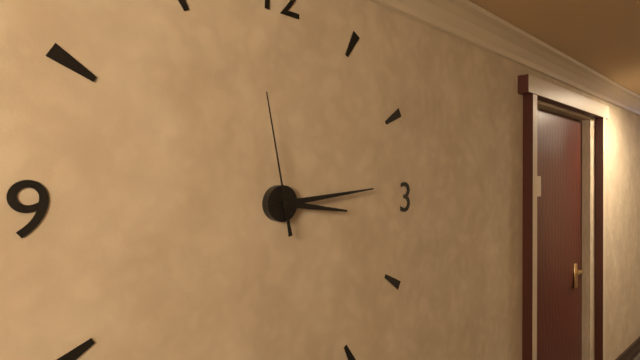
3h14m58s
